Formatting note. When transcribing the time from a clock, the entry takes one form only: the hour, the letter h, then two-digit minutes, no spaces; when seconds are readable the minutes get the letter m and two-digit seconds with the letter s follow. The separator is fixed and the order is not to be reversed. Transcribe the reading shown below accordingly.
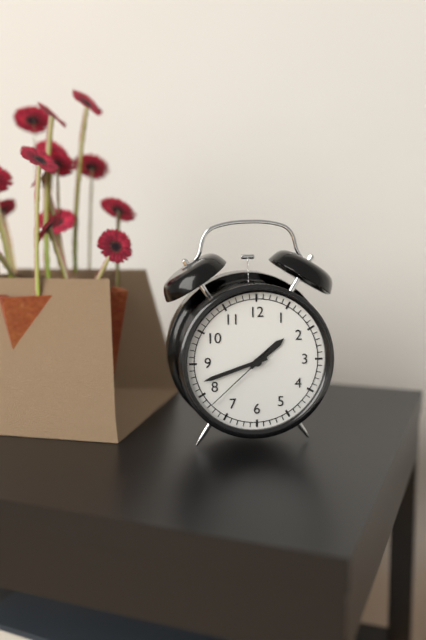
1h42m38s
